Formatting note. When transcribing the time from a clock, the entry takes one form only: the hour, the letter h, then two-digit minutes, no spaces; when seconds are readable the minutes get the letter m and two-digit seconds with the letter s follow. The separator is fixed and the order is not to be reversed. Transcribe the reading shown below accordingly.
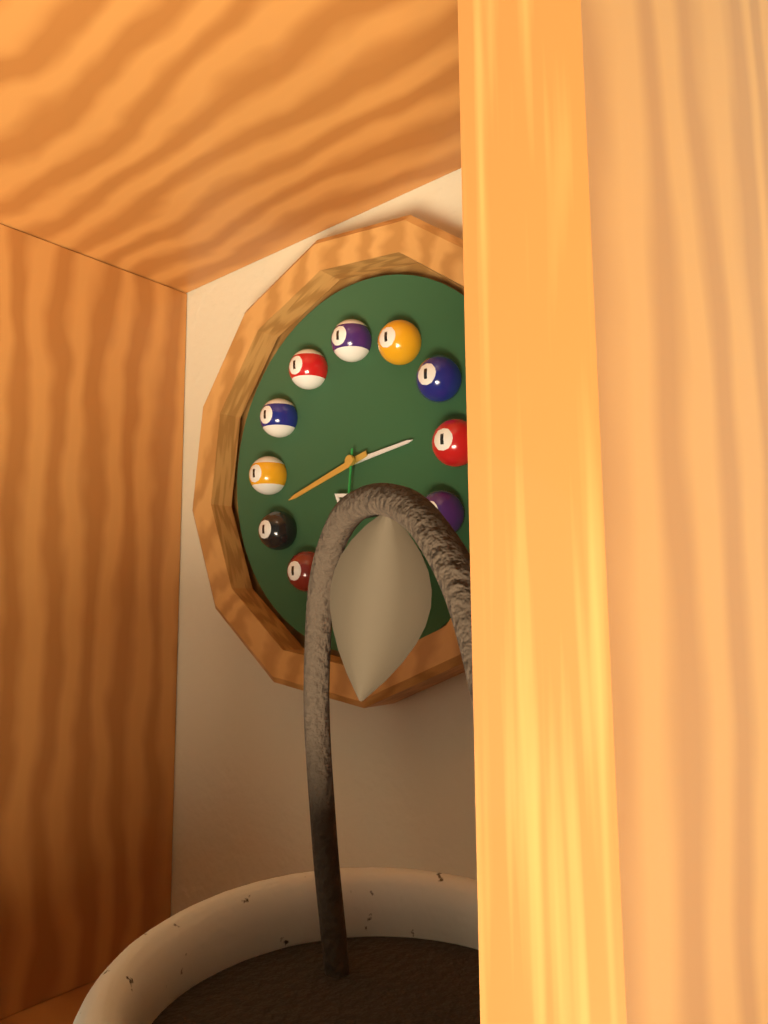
2h42
